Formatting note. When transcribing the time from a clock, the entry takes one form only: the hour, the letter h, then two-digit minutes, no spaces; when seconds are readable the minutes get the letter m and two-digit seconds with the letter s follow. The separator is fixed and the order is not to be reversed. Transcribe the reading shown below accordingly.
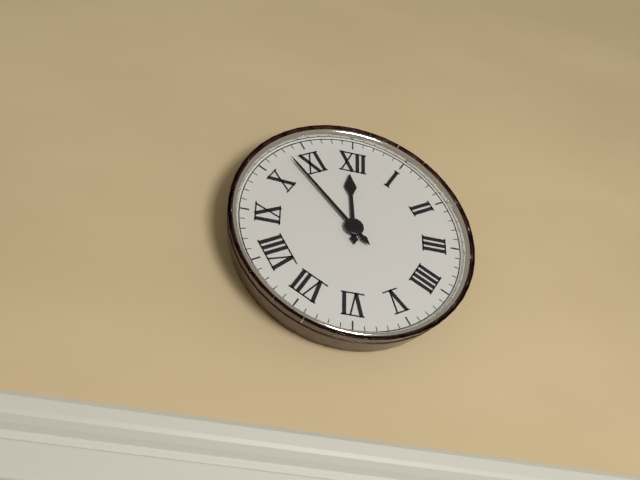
11h53
